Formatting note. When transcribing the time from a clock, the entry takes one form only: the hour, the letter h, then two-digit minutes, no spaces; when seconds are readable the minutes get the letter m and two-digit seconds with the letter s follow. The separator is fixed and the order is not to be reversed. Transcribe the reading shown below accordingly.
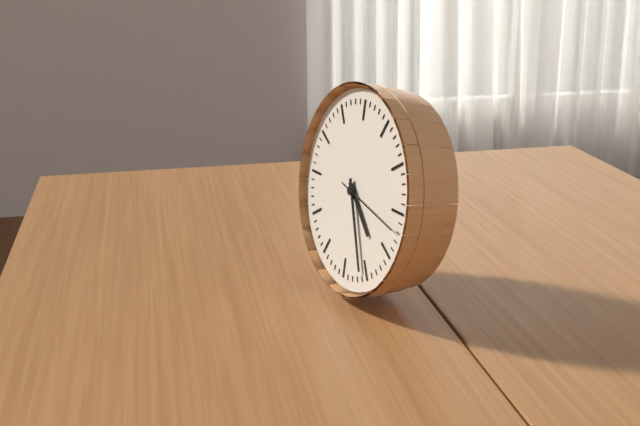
4h26m17s
